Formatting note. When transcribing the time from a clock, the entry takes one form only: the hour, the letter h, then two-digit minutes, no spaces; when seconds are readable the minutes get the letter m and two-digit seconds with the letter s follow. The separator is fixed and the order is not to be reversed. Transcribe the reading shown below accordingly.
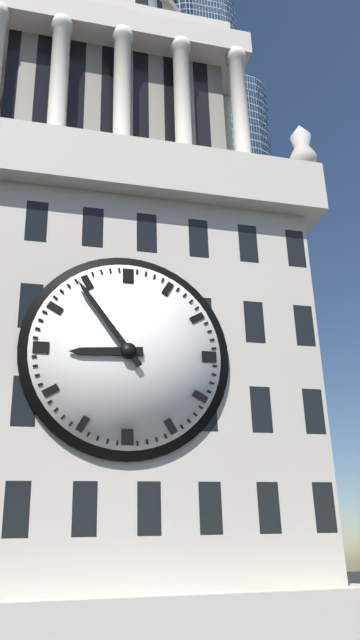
8h54
